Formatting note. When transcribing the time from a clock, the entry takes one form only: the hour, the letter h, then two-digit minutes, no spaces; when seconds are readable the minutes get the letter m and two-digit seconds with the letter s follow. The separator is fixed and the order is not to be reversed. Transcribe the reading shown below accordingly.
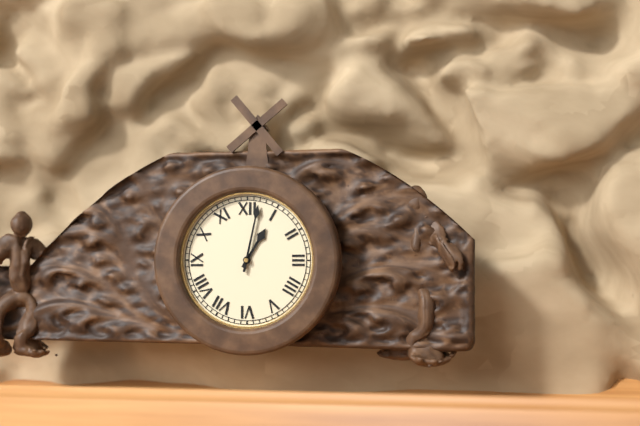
1h02
